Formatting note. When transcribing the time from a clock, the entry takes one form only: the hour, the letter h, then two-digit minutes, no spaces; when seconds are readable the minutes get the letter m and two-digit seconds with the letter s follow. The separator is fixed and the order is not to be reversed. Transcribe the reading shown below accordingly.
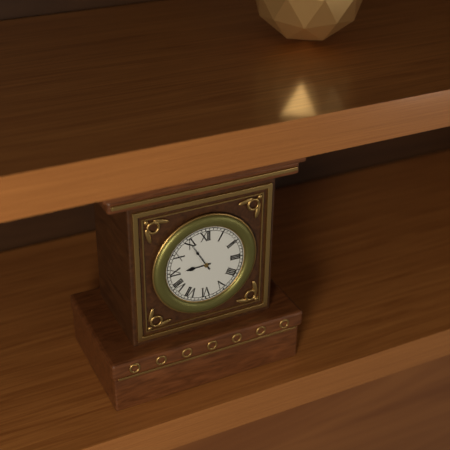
8h55
